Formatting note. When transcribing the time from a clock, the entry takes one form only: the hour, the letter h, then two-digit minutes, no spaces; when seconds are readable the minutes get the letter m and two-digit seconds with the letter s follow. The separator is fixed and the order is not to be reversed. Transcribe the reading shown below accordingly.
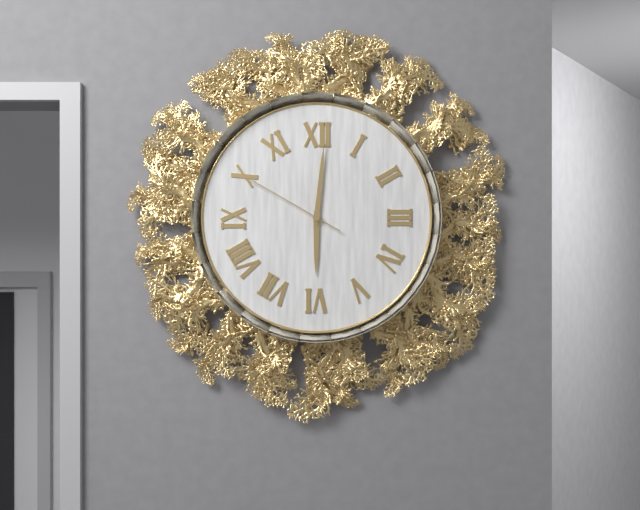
6h01m50s
